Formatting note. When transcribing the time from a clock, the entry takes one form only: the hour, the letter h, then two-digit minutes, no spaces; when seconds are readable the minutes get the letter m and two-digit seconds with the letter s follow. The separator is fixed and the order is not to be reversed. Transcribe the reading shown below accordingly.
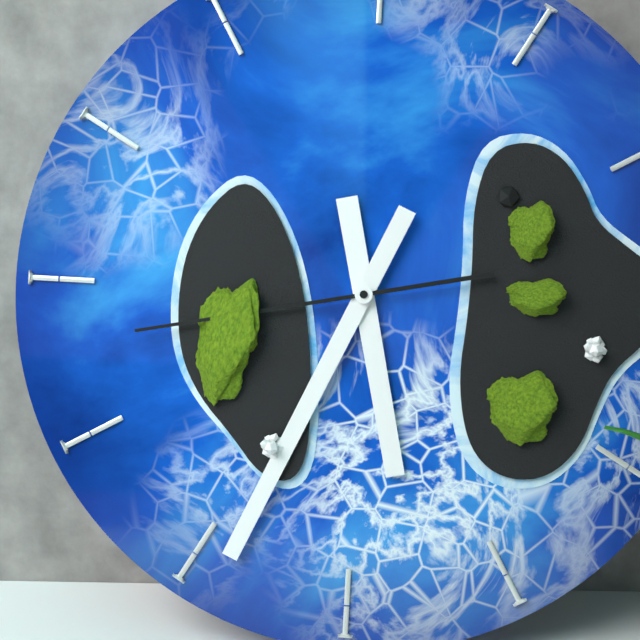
5h34m43s
